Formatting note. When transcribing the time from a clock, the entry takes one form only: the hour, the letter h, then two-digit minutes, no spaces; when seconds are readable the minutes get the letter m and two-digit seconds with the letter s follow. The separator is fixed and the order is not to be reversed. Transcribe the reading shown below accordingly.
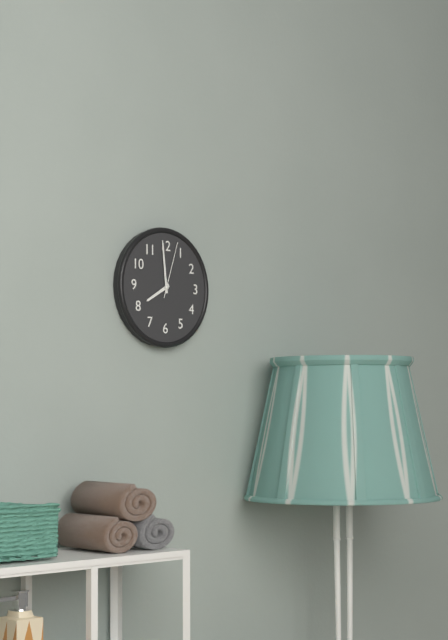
7h59m03s
